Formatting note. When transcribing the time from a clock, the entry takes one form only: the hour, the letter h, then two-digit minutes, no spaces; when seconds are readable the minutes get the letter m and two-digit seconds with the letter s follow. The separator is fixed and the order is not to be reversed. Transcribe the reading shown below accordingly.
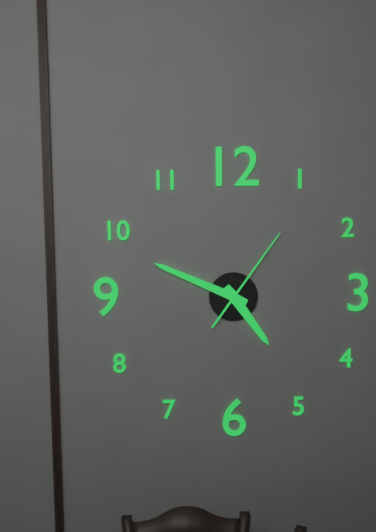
4h49m06s
